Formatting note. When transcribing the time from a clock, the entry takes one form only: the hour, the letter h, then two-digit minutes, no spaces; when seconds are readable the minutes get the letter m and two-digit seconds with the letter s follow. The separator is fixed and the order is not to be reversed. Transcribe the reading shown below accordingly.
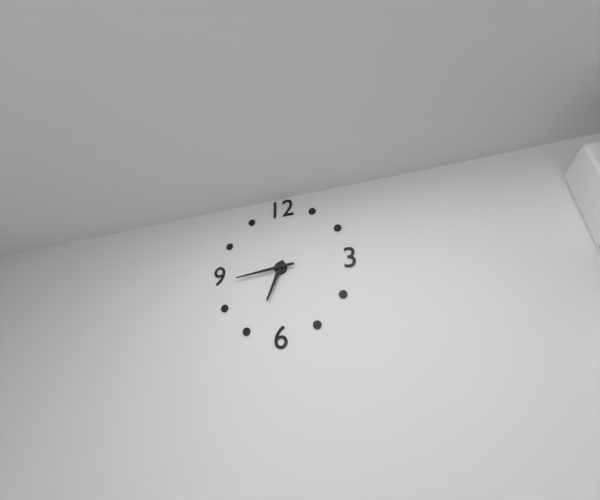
6h44
